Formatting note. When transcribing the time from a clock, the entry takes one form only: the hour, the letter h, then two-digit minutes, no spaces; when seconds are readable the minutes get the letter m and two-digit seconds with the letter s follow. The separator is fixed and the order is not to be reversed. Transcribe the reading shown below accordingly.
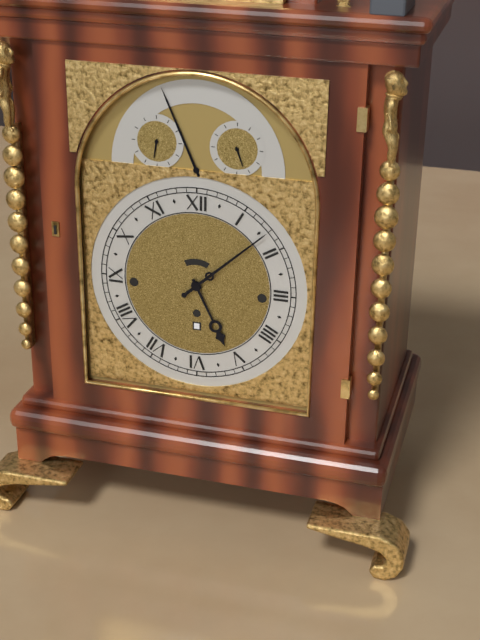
5h08
